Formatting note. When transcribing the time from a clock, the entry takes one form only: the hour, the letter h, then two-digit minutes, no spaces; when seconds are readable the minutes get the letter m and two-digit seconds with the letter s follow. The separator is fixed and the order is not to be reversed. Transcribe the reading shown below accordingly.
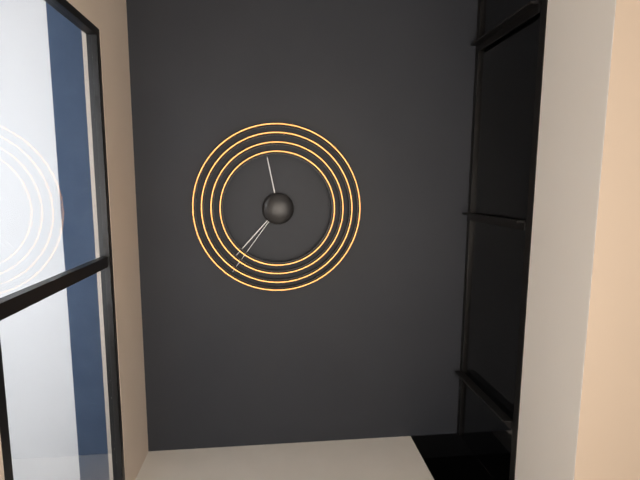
11h37m36s
